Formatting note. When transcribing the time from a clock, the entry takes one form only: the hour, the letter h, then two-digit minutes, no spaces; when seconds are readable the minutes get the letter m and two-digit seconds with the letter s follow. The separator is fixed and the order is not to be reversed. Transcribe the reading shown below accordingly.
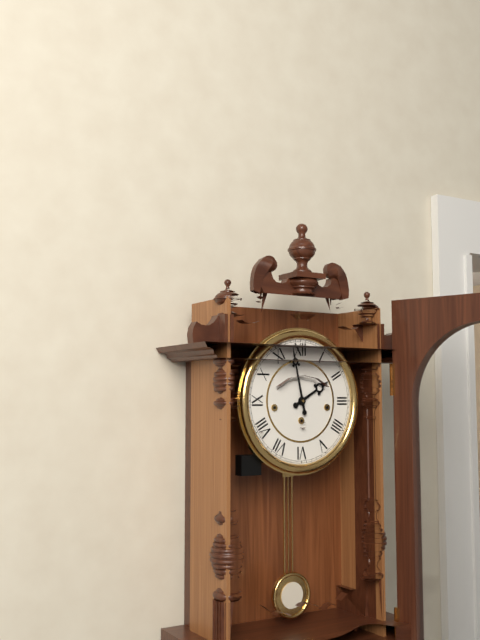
1h58
